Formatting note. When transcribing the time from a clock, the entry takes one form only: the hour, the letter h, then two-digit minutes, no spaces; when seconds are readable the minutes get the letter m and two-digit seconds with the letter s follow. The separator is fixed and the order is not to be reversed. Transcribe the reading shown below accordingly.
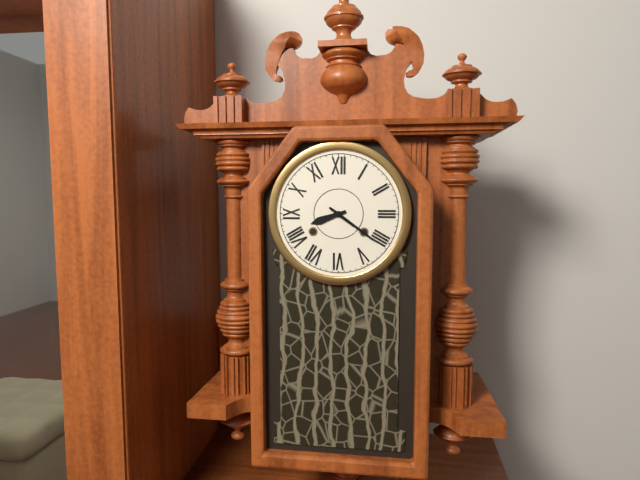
8h21
